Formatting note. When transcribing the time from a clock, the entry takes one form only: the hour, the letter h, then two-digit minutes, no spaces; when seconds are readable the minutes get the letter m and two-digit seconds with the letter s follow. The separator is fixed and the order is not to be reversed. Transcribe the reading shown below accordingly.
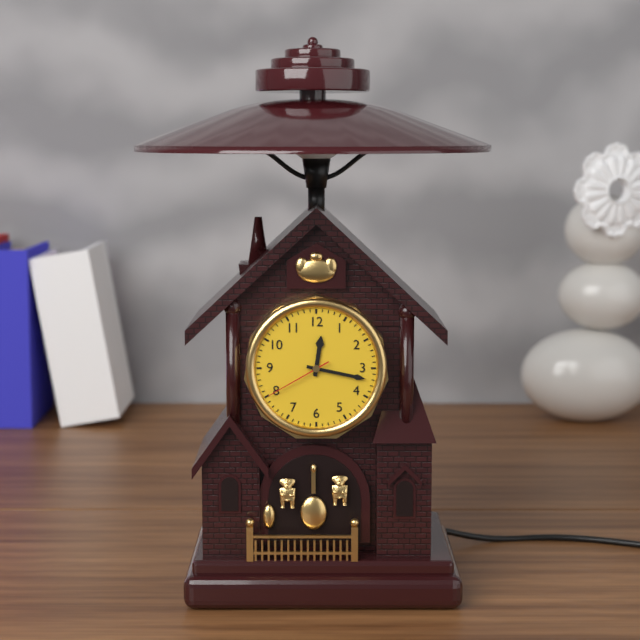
12h17m40s
